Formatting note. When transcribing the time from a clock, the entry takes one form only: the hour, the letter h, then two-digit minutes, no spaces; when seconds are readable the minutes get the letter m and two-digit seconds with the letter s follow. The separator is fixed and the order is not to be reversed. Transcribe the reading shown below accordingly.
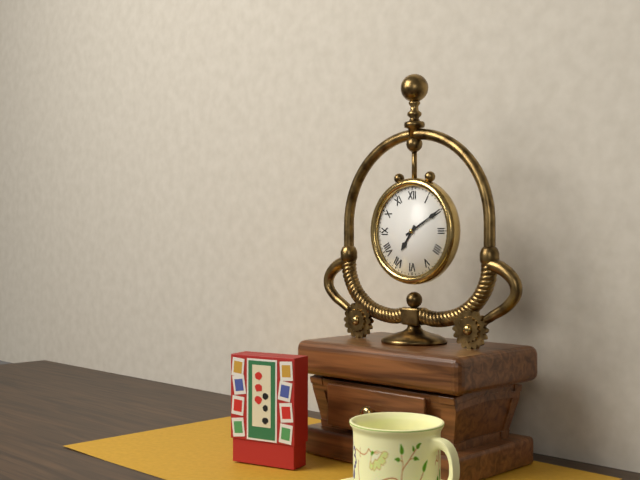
7h10
